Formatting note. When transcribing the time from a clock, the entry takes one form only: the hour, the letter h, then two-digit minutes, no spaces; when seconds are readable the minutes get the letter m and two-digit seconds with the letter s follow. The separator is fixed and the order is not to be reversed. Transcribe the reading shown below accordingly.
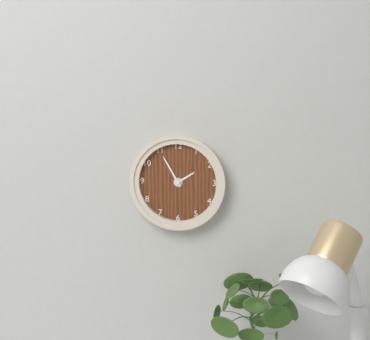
1h55
